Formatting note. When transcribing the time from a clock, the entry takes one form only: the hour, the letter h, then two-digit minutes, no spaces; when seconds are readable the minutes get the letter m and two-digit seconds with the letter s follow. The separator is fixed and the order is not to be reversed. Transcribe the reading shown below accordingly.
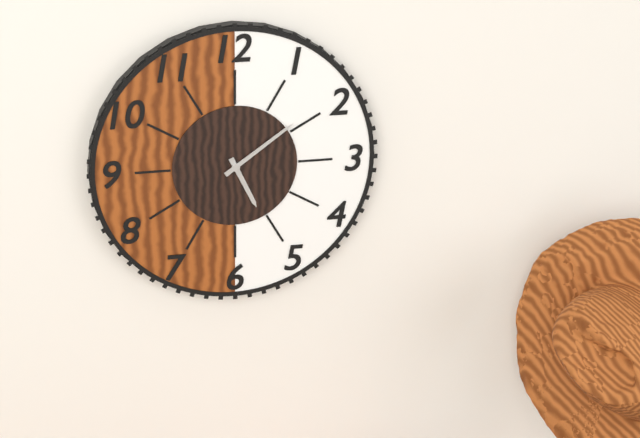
5h09
